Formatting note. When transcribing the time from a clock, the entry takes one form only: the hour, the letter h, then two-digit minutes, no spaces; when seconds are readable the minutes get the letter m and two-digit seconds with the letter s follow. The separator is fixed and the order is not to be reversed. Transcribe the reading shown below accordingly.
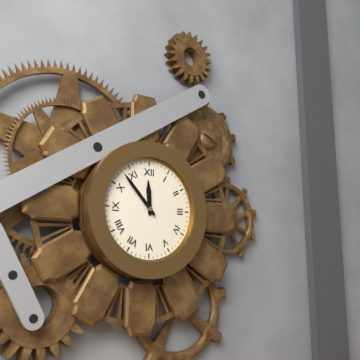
11h53
